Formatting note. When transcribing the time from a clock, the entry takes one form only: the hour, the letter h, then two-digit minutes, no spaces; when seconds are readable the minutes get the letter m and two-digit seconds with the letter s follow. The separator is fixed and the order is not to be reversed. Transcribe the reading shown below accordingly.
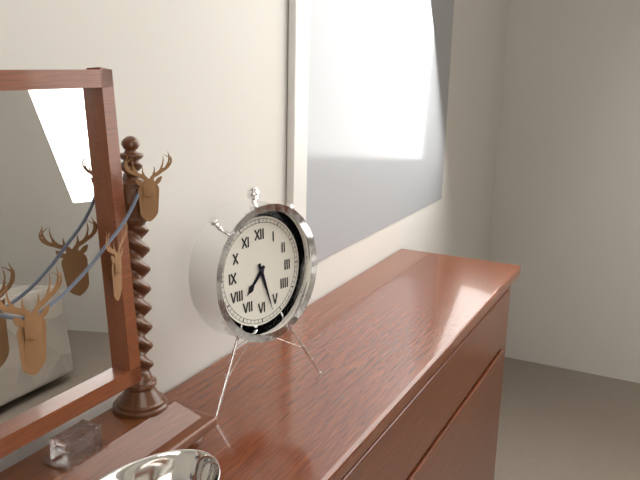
7h27
